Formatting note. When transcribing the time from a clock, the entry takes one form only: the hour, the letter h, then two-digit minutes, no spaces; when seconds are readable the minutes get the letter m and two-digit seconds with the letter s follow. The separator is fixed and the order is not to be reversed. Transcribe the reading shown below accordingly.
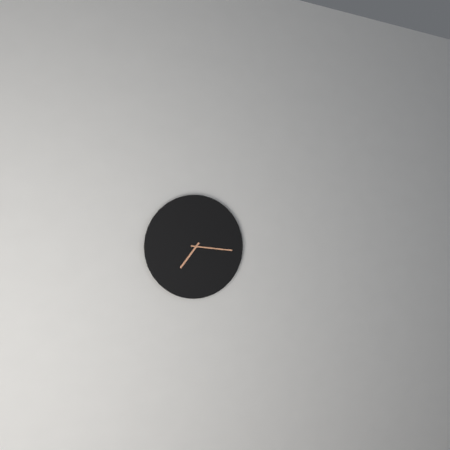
7h16
